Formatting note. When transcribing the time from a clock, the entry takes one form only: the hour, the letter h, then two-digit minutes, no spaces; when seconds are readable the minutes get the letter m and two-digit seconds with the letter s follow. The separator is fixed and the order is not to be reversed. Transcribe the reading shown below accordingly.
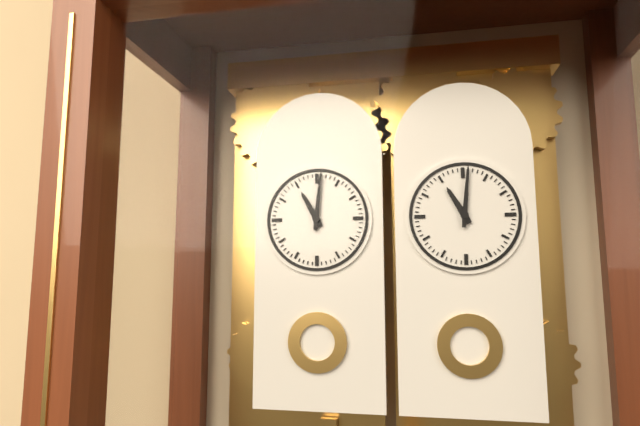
11h01
